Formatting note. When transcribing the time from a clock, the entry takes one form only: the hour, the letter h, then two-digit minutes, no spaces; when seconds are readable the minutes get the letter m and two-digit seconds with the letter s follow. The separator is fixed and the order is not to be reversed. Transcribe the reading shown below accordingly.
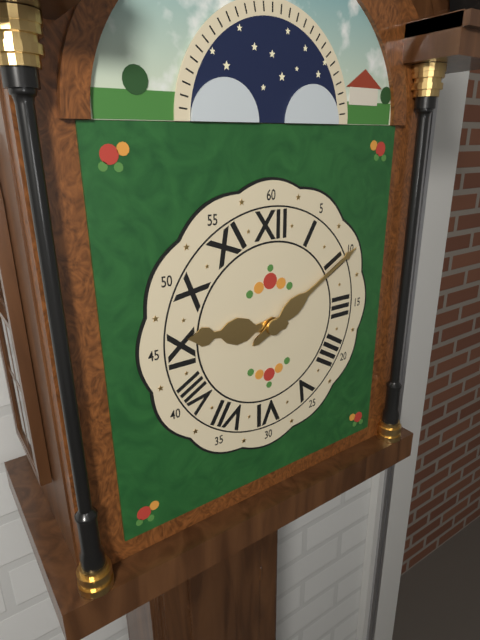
9h10
